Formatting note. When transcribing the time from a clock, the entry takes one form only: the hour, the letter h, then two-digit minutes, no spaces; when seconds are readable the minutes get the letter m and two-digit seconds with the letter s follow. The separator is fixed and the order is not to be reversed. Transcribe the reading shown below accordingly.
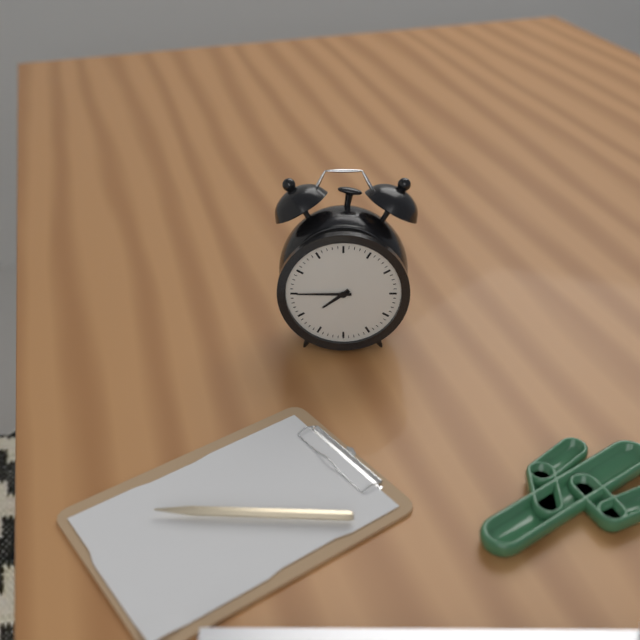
7h45
